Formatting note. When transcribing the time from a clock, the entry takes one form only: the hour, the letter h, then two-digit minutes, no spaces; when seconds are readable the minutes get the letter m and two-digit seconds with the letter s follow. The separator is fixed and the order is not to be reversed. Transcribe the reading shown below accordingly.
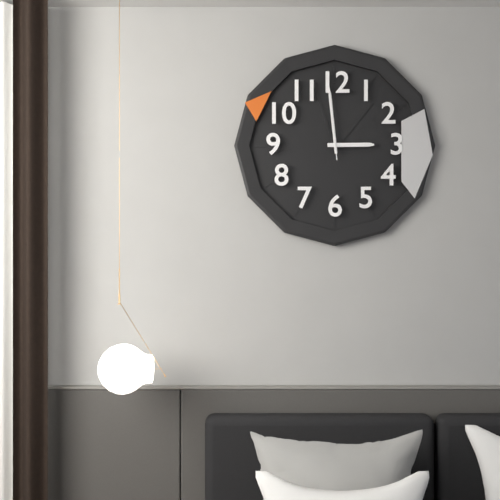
2h59m59s
